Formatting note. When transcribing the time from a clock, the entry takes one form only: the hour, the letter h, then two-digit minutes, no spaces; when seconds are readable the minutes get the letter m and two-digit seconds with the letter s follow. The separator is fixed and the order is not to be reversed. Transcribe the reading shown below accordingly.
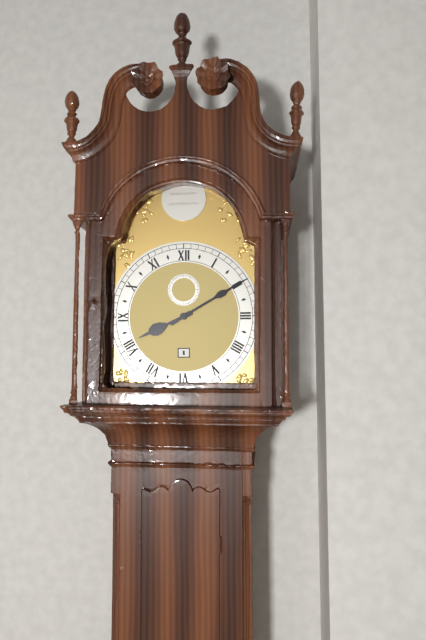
8h10
